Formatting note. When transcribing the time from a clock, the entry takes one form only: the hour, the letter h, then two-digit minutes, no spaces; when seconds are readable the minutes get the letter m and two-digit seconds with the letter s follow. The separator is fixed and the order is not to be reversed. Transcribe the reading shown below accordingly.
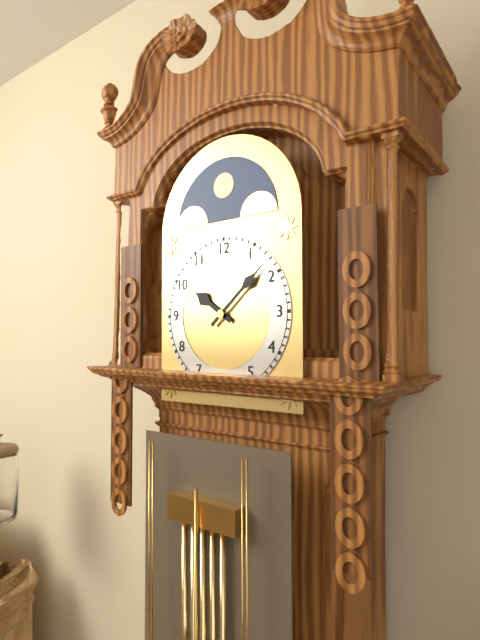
10h08
